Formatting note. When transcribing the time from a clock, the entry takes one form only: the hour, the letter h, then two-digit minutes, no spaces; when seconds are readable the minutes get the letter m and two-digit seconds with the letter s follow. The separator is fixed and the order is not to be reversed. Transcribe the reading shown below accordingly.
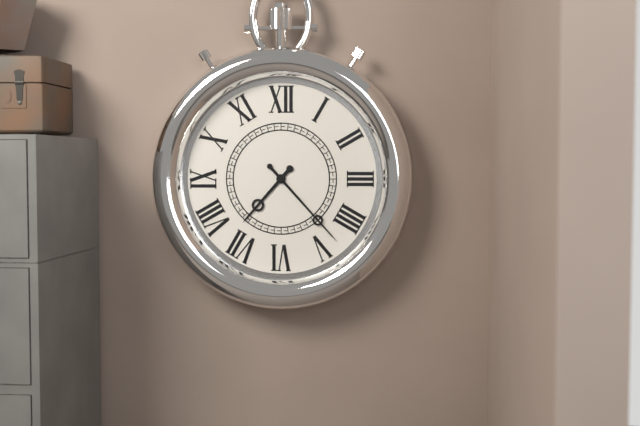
7h23
